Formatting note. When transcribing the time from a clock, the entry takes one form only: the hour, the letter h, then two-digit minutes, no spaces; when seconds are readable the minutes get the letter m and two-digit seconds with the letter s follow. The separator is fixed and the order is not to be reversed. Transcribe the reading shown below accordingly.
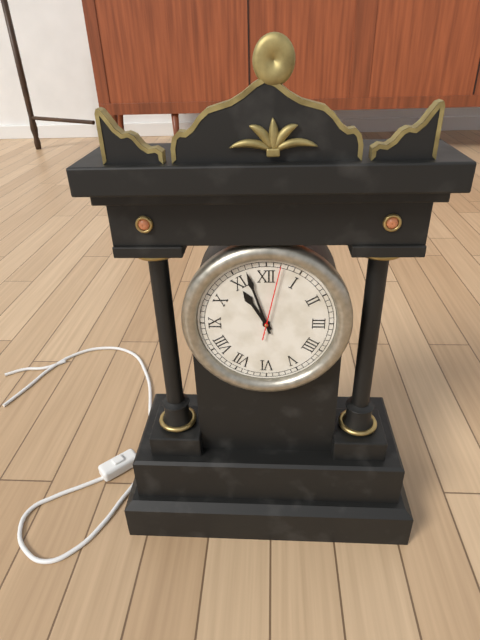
10h57m02s
